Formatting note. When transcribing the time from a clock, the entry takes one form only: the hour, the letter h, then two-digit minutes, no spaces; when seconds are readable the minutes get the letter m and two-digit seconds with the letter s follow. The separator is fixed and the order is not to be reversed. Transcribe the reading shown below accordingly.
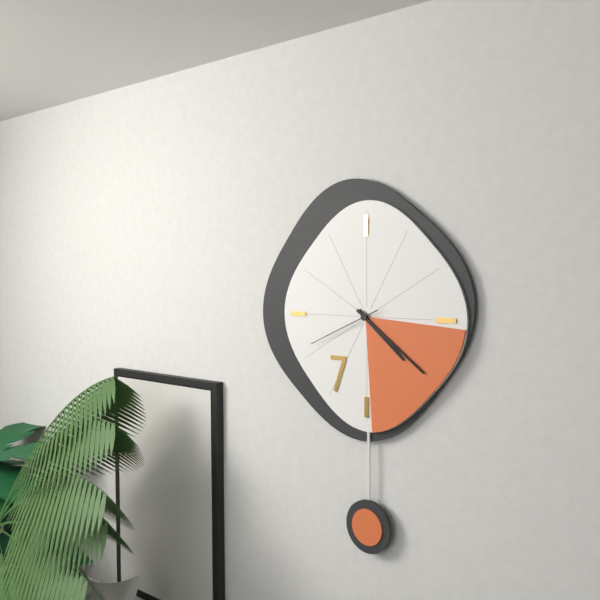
4h21m41s
